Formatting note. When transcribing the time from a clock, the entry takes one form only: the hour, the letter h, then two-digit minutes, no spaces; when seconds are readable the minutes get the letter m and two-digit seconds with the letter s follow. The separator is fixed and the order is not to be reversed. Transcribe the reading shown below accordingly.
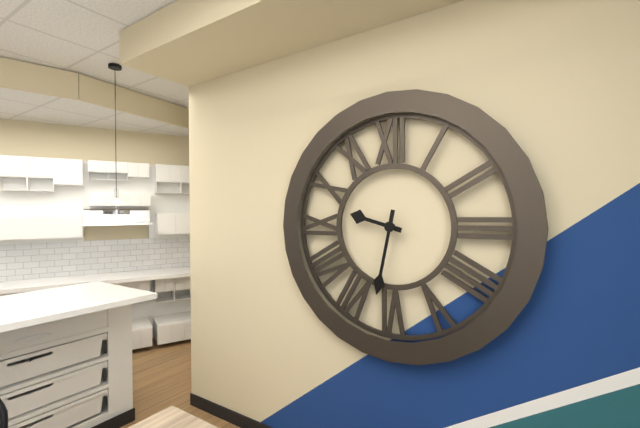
9h32
